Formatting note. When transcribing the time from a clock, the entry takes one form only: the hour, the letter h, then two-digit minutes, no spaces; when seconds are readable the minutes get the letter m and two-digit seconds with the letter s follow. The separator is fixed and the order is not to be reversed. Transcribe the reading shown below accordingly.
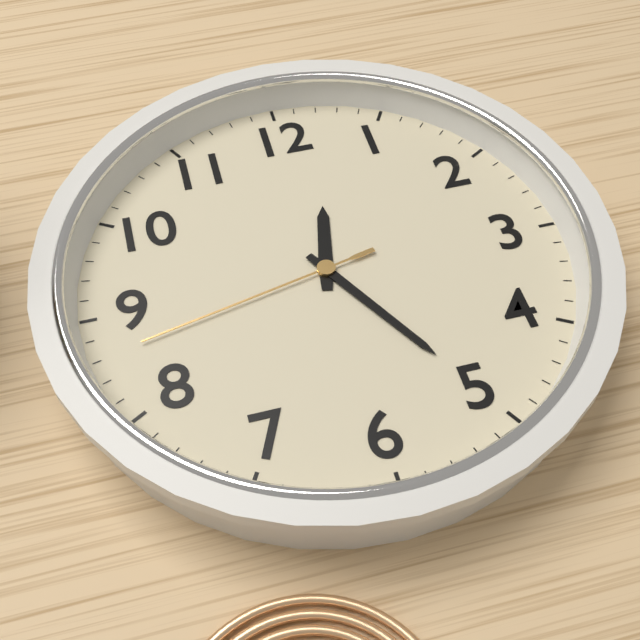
12h25m43s
